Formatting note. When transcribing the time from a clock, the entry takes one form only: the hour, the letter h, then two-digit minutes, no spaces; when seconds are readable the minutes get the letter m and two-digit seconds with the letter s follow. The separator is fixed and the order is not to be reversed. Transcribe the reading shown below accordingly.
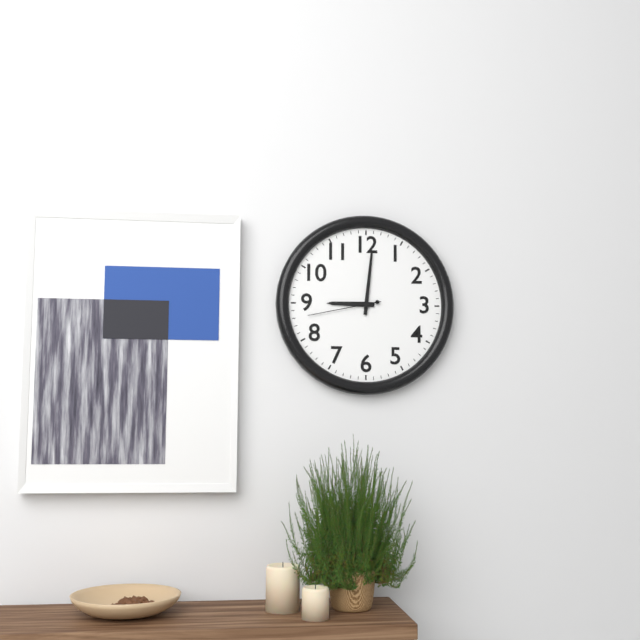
9h01m43s
